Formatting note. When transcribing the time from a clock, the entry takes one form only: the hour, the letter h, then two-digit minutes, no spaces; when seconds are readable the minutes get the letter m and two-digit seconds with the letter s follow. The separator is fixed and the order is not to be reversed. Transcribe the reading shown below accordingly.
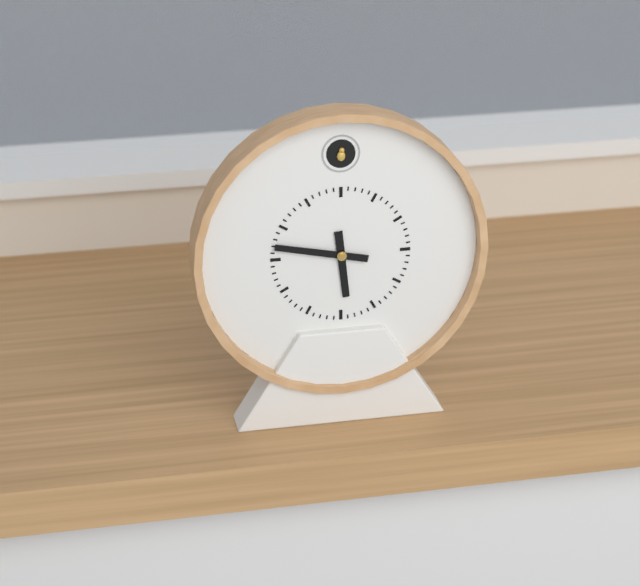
5h47
